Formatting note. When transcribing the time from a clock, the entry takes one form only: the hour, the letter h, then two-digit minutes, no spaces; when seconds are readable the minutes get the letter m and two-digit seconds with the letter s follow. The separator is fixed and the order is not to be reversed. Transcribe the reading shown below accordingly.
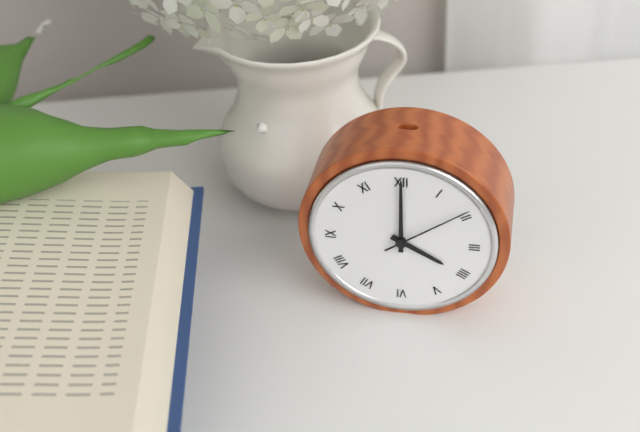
4h00m09s
